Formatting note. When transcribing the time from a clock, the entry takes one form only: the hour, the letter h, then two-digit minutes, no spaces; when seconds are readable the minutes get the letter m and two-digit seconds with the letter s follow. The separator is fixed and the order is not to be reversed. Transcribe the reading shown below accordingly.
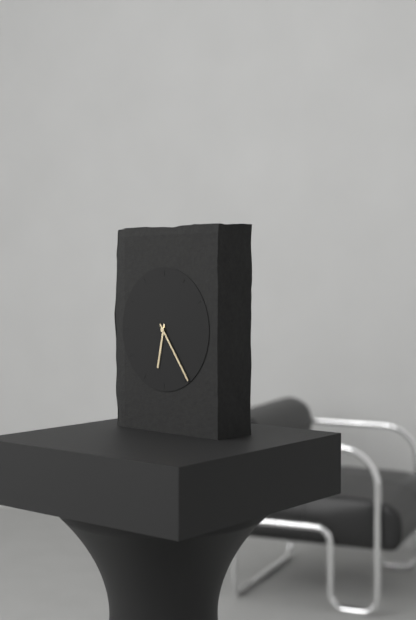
6h24
